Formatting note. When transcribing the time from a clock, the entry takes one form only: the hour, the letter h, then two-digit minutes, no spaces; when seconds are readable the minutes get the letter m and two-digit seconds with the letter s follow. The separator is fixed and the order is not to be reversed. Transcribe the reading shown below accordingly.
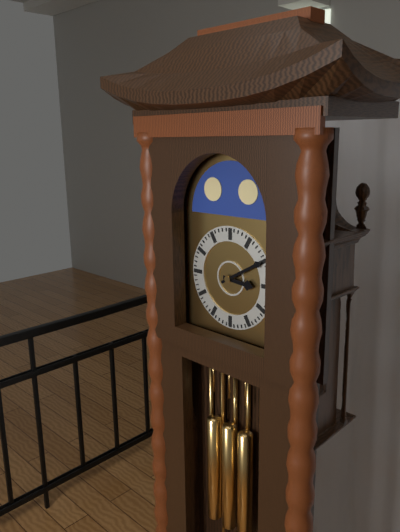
3h10
